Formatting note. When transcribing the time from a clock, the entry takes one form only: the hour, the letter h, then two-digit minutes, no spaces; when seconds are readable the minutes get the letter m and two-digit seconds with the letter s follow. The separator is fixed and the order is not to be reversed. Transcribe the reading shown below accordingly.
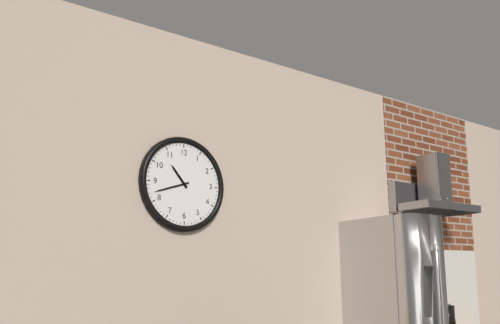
10h42
